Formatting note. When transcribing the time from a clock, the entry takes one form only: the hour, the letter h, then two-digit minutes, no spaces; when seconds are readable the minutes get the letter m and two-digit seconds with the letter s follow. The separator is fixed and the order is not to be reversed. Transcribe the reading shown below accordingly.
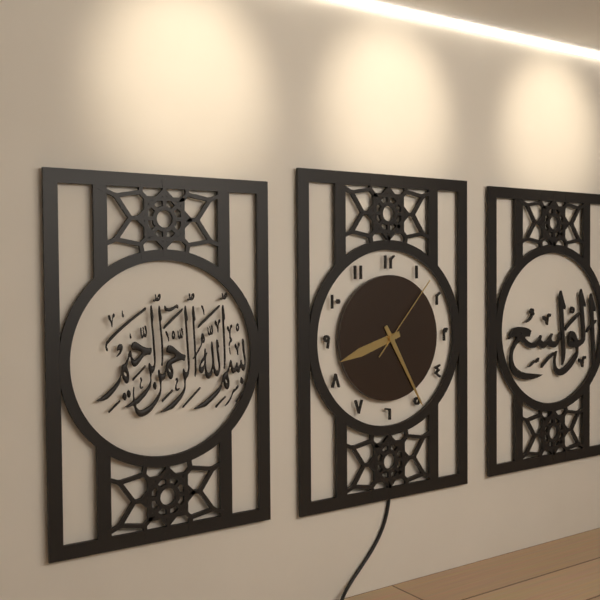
8h25m07s
